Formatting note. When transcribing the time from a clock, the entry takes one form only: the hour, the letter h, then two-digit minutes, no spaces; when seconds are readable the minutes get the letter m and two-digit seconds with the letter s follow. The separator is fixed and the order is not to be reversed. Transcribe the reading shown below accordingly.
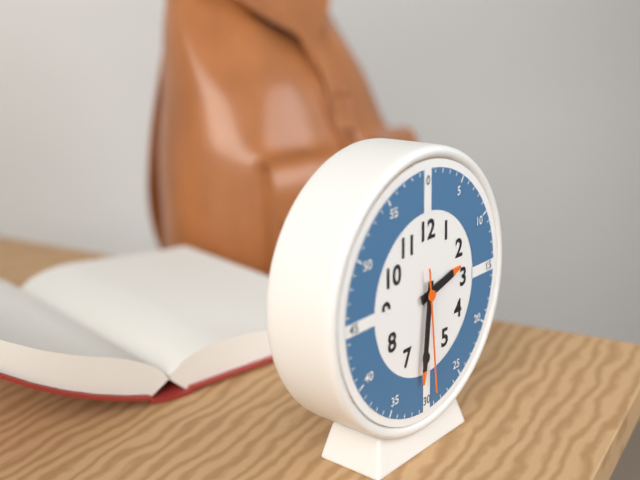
2h31m29s
